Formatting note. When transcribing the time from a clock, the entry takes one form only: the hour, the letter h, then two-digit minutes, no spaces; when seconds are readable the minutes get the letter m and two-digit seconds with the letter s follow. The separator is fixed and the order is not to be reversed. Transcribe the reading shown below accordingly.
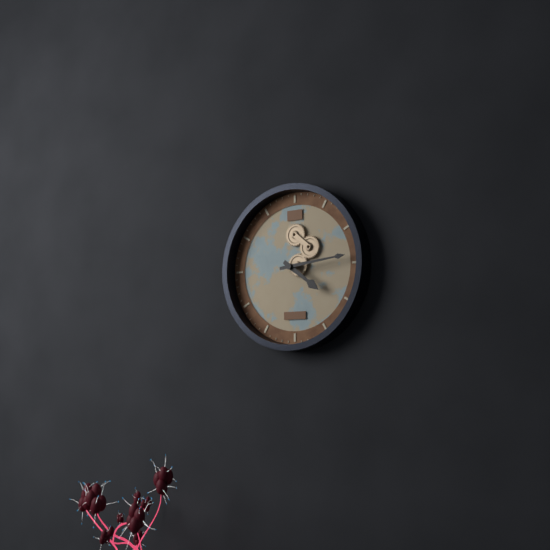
4h14
